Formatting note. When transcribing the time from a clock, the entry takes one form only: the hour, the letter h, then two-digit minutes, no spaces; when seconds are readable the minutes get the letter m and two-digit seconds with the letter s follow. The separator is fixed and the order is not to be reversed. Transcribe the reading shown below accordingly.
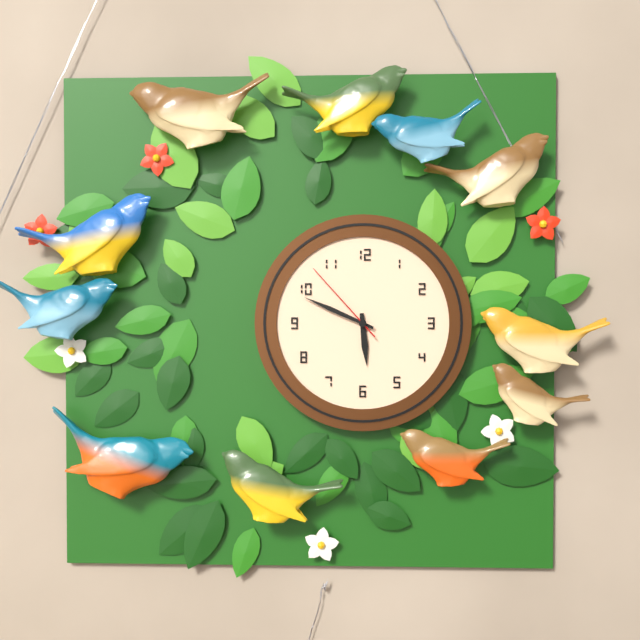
5h49m53s
